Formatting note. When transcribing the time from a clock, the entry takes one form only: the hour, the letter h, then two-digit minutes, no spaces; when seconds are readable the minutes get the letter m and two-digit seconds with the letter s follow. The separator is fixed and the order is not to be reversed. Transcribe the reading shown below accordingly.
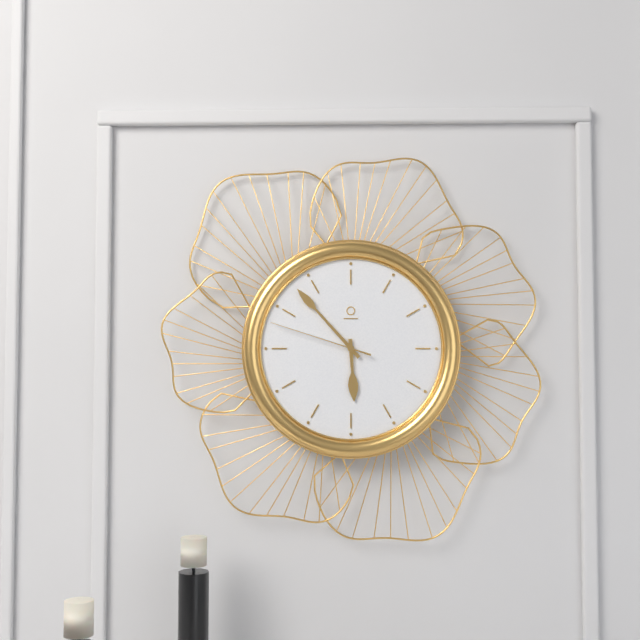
5h53m48s
